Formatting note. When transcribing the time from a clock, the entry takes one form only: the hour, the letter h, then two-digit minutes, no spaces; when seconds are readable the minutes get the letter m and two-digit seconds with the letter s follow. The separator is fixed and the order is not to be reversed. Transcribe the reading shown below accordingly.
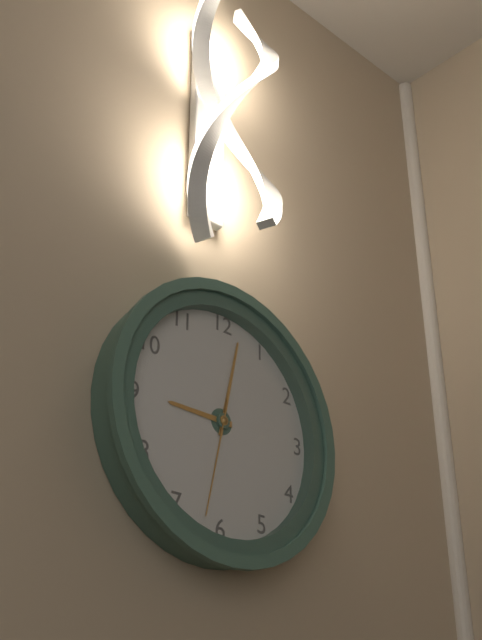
9h02m32s
